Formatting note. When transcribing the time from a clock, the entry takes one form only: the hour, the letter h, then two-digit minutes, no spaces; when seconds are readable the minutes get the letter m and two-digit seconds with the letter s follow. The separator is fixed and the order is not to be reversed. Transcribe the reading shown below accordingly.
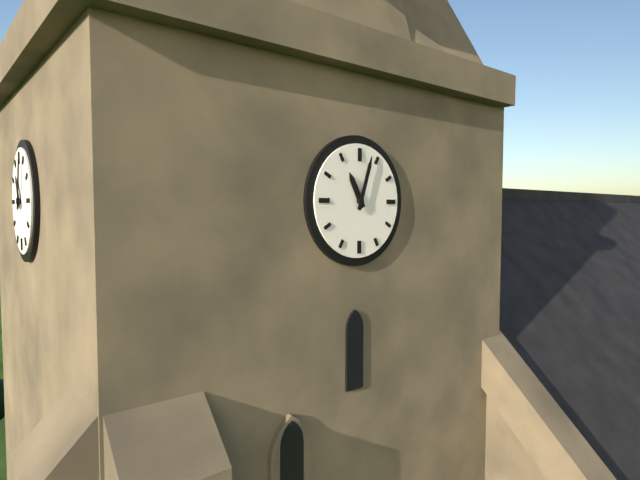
11h03
